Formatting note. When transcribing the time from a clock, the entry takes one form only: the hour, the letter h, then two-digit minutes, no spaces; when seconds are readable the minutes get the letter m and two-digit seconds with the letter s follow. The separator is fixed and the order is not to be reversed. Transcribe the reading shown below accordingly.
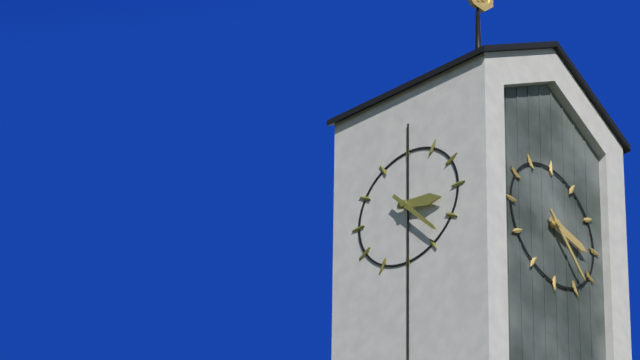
3h23
